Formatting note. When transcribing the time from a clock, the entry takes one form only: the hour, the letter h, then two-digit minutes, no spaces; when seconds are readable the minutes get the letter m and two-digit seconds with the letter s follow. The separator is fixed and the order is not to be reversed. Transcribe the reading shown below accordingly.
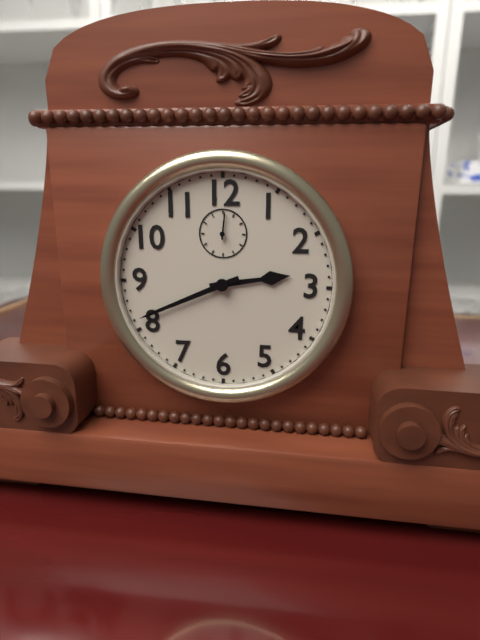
2h41
